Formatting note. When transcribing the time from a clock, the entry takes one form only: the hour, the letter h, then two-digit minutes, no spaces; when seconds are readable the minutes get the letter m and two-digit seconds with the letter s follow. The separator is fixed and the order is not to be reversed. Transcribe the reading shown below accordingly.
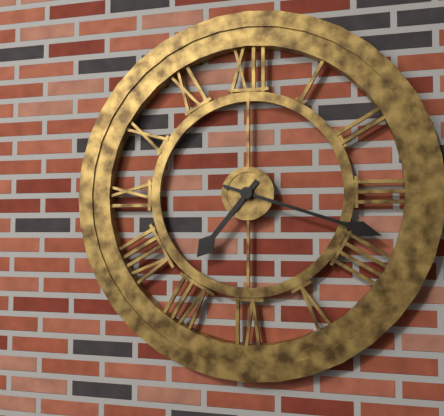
7h18
